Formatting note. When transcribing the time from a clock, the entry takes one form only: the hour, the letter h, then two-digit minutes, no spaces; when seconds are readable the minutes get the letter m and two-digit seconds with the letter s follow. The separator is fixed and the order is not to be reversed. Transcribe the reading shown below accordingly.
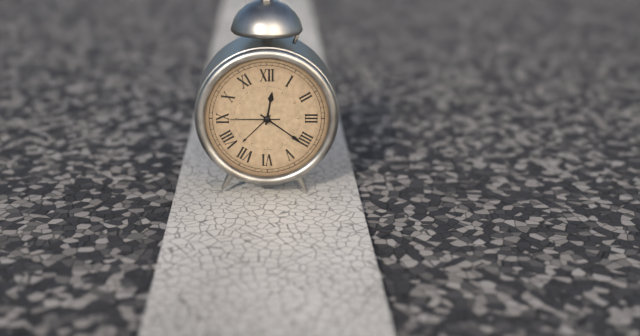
12h21
